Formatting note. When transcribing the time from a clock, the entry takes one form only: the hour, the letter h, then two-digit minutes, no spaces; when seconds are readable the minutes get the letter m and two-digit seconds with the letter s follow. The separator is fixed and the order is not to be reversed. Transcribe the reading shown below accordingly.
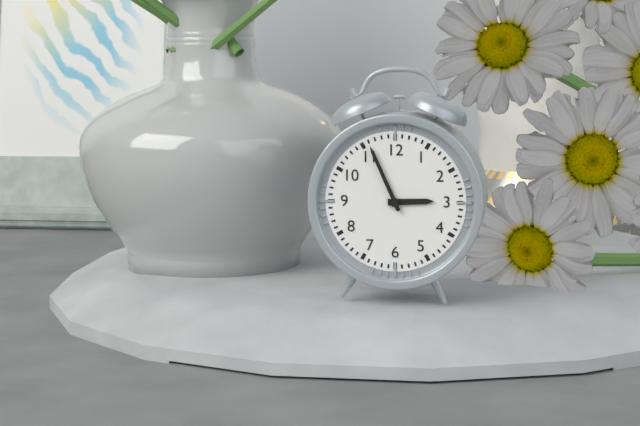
2h56
